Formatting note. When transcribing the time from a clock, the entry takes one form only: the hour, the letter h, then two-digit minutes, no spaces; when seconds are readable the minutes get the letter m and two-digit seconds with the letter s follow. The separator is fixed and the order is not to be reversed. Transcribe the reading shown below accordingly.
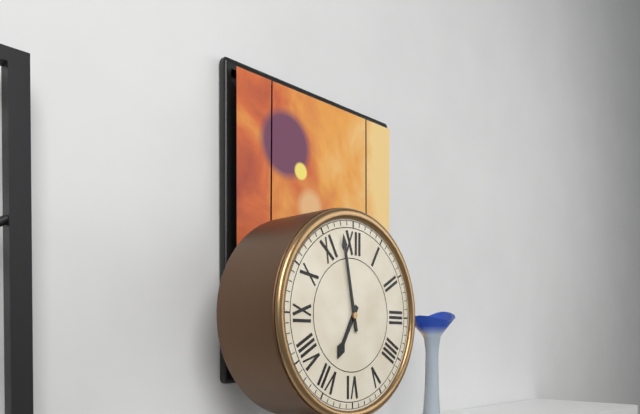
6h58
